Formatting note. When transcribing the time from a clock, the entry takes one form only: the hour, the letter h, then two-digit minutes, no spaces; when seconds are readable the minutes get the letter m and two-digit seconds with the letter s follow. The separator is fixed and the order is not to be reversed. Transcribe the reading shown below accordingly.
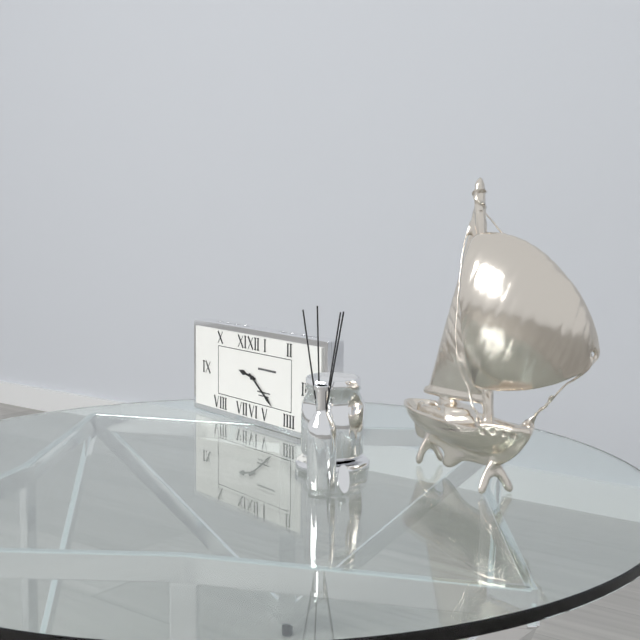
9h21
